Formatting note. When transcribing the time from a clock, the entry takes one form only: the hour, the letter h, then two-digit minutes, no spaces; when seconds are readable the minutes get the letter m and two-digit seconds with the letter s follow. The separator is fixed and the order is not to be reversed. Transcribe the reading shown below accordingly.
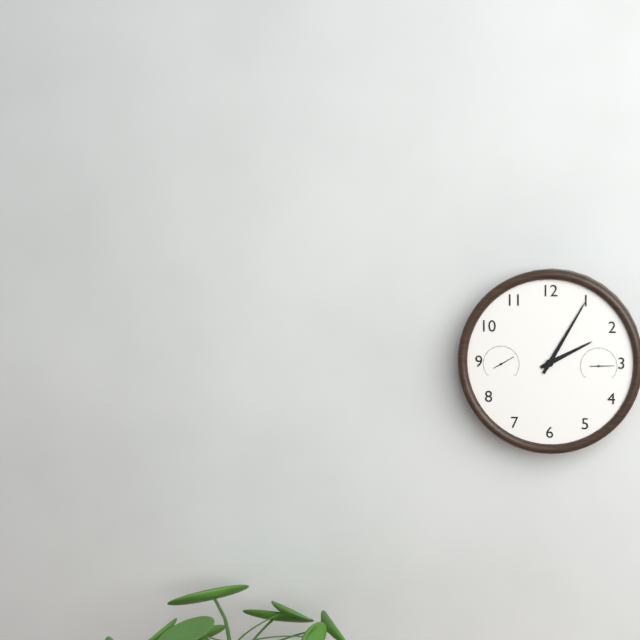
2h05
